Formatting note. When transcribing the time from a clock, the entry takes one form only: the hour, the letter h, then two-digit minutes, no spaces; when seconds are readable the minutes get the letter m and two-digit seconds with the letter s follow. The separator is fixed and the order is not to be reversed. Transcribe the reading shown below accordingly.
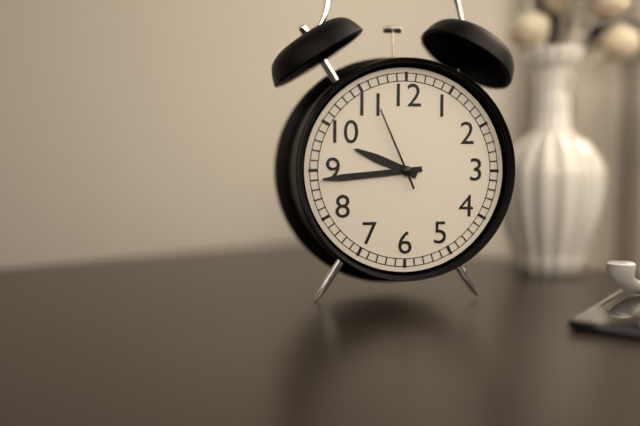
9h44m56s
